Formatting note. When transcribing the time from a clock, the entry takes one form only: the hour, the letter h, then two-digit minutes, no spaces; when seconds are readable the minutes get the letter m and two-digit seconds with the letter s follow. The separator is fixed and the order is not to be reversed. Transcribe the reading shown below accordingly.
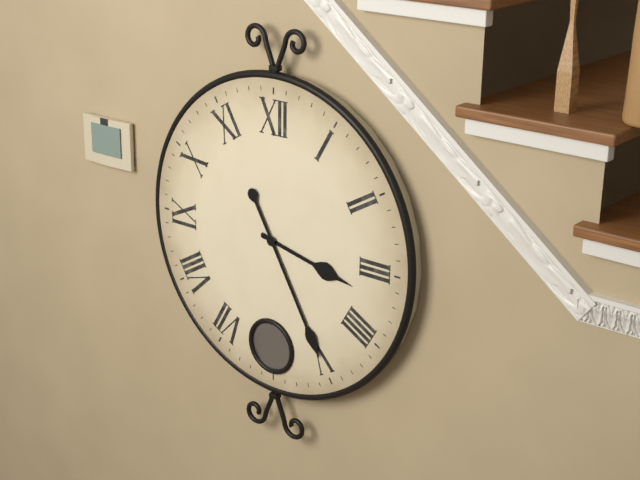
3h25
